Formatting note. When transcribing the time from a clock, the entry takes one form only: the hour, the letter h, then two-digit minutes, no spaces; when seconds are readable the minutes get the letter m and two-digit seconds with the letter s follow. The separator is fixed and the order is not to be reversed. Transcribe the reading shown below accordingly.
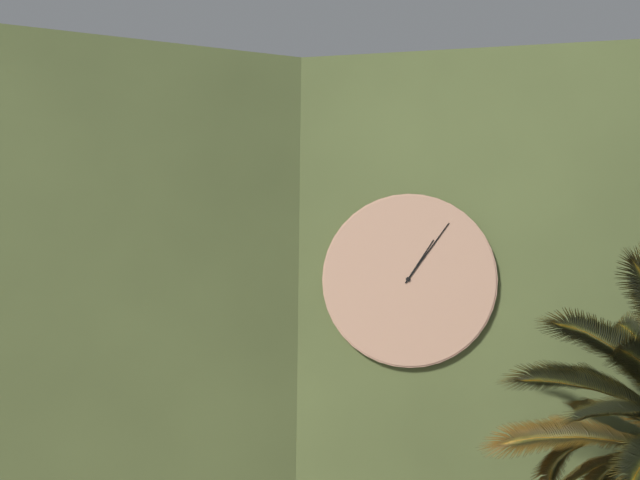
1h06
